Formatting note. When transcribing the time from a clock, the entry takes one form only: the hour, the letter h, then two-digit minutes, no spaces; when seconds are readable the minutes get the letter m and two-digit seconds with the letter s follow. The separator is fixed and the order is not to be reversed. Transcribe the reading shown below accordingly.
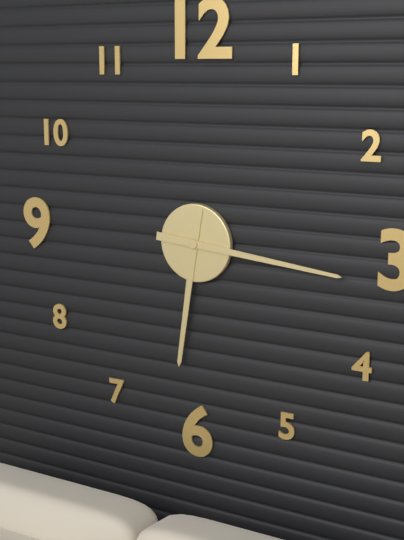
6h16
